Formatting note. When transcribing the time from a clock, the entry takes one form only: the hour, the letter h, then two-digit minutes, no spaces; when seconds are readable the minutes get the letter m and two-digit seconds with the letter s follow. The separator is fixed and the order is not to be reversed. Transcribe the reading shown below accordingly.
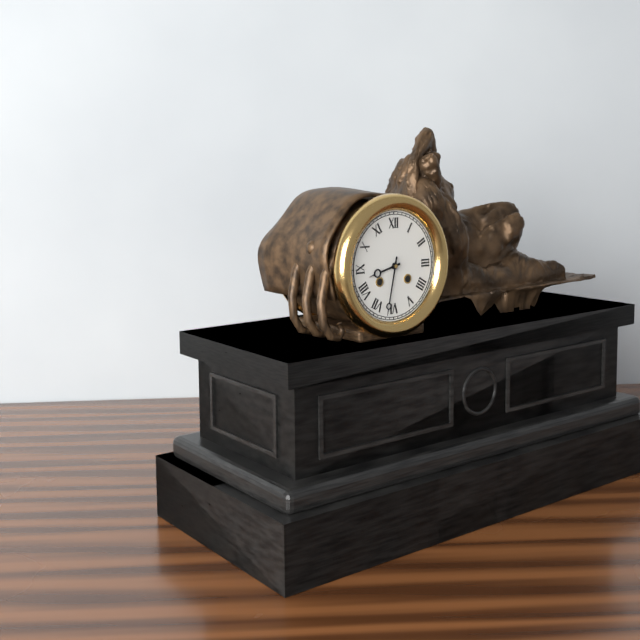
8h32
